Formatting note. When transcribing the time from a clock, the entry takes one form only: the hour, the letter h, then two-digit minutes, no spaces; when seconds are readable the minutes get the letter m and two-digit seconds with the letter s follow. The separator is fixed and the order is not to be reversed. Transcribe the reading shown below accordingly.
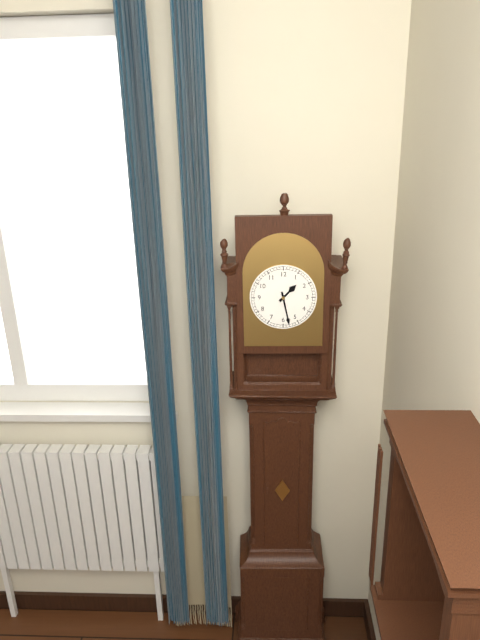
1h28
